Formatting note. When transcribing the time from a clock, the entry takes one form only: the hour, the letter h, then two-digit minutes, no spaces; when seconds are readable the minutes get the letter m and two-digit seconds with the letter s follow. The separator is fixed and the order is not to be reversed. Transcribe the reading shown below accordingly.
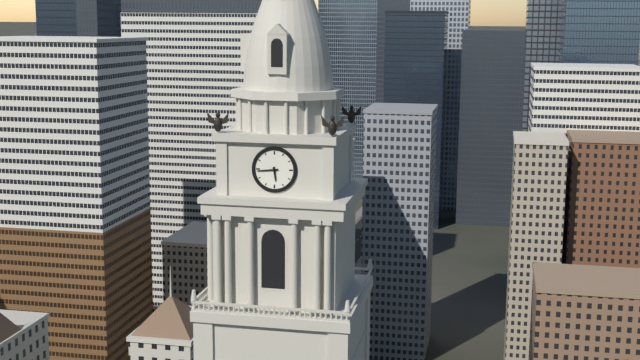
5h44
